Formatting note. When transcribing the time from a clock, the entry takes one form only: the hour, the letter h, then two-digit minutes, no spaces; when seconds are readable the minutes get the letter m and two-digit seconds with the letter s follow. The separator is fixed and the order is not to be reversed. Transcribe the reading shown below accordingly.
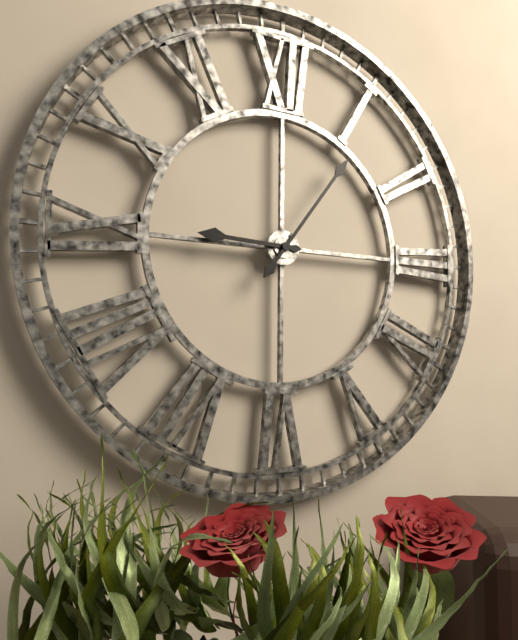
9h06
